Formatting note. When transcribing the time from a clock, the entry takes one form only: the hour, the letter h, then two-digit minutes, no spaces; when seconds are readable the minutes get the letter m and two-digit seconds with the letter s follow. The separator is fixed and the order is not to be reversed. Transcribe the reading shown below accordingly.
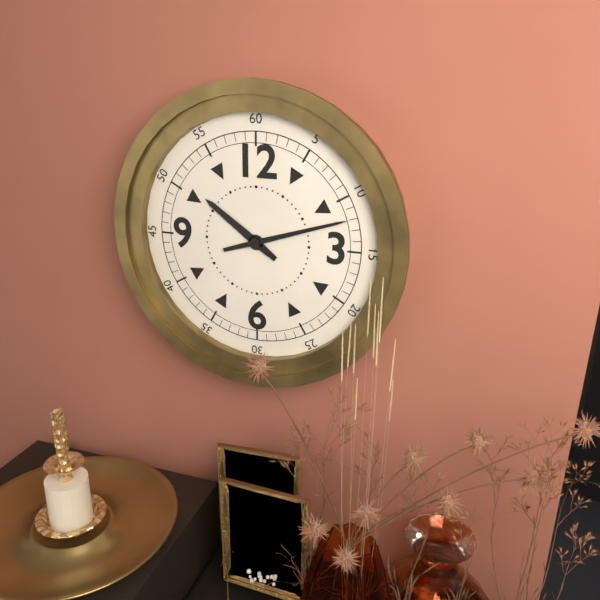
10h12
